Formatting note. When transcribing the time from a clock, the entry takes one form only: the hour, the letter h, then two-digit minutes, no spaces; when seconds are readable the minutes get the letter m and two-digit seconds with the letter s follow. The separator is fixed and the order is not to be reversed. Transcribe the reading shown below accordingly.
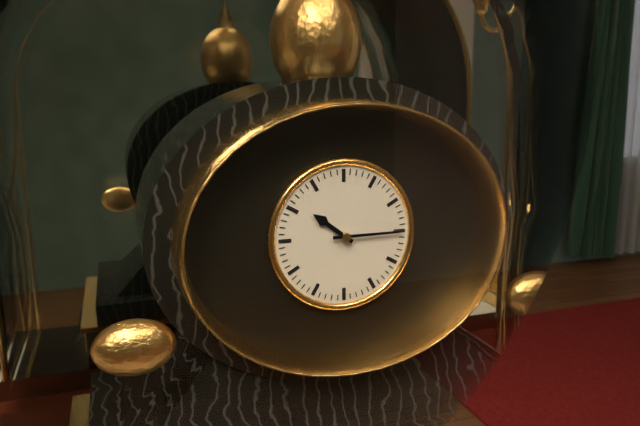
10h15
